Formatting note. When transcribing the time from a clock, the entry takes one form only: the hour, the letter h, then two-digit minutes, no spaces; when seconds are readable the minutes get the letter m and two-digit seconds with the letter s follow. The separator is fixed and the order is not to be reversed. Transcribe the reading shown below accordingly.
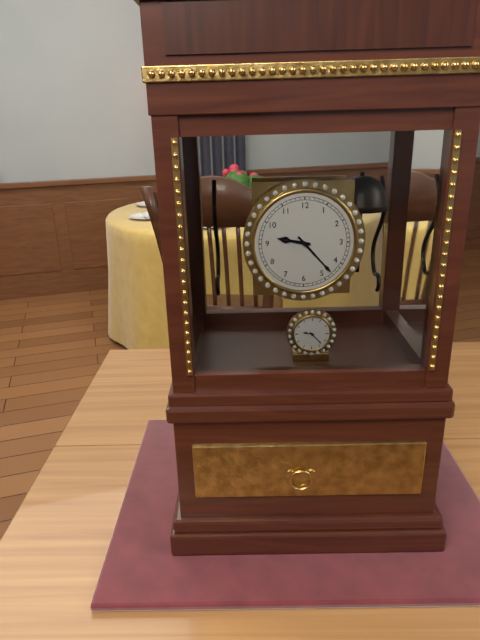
9h23
